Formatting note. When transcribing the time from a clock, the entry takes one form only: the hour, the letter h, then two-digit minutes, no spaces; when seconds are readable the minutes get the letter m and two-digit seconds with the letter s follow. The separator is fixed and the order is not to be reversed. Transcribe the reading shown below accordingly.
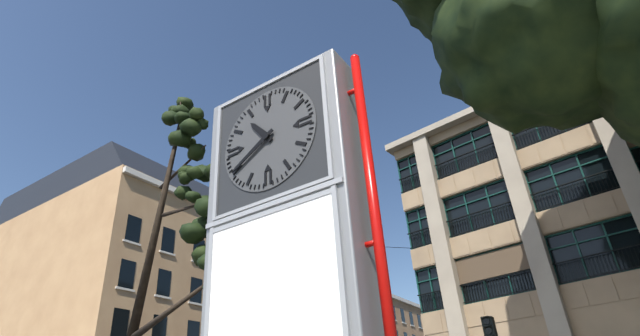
10h40
